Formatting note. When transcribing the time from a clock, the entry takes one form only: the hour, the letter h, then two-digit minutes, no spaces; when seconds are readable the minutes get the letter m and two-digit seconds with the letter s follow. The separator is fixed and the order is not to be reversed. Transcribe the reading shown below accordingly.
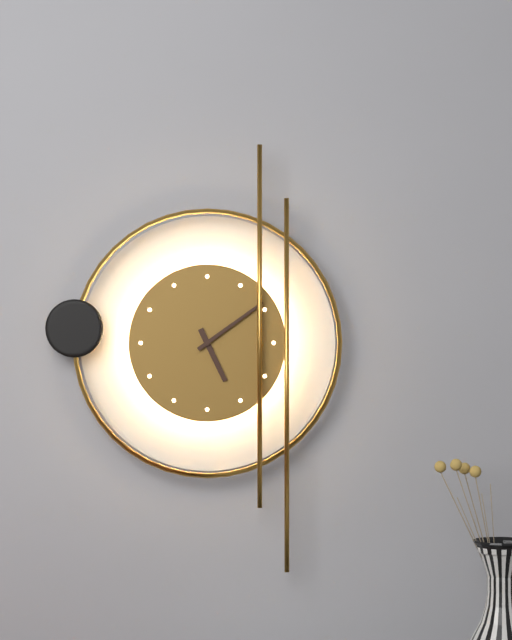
5h09
